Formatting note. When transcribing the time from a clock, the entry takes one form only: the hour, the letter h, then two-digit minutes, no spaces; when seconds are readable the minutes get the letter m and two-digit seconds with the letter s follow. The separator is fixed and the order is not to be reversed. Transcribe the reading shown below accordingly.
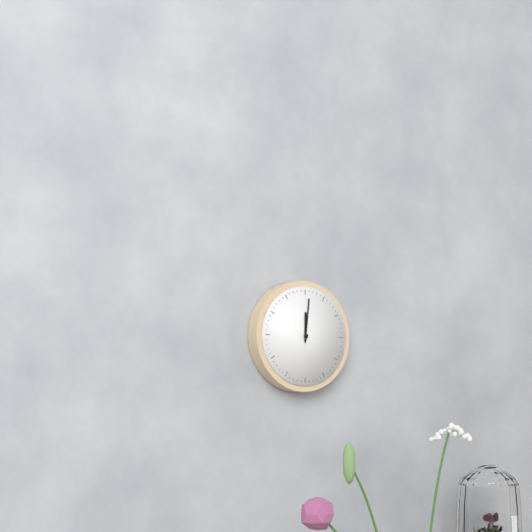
12h01
